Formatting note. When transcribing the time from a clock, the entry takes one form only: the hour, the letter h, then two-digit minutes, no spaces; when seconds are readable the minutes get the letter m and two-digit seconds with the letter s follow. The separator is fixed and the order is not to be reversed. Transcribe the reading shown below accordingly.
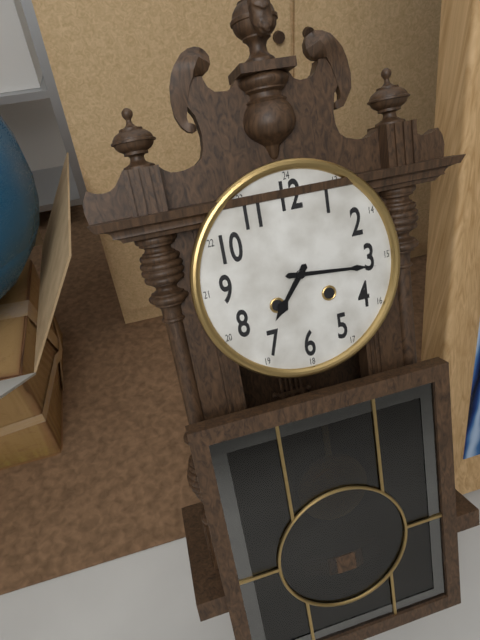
7h16
